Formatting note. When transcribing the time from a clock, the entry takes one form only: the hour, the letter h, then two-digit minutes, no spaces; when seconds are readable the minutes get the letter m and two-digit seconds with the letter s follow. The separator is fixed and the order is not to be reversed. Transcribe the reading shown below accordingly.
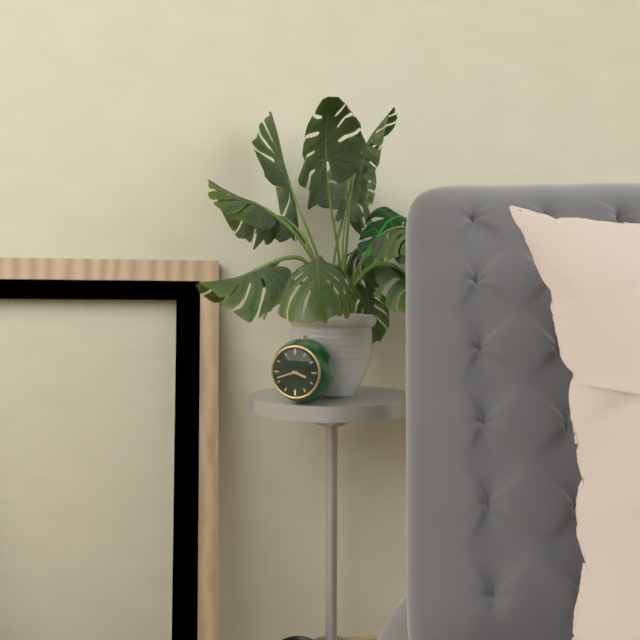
3h42
